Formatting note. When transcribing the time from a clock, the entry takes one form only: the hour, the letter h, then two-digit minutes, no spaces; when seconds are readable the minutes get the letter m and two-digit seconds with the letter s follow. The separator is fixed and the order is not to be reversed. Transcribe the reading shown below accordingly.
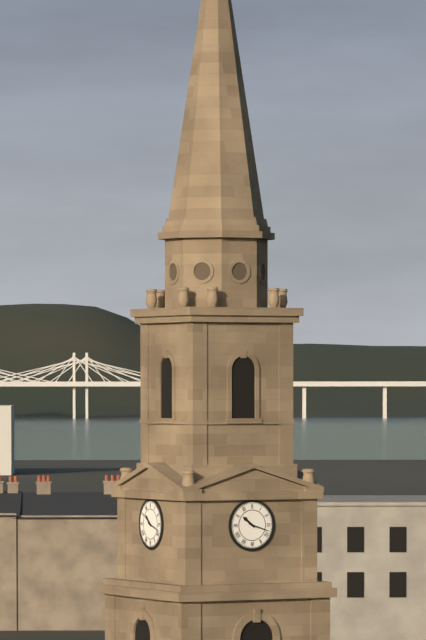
10h18
